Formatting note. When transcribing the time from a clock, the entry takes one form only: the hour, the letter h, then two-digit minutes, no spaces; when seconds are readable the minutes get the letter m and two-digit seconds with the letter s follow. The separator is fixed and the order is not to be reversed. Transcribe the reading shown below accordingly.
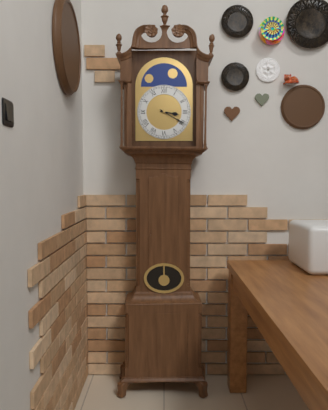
3h20
